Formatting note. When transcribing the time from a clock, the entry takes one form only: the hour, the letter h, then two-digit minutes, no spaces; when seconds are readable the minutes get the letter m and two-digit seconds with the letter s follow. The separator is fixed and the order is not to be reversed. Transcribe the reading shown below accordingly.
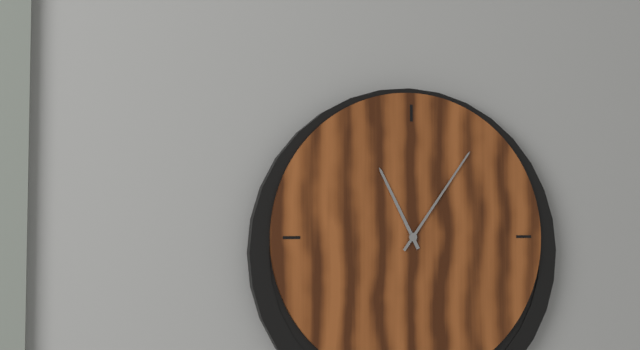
11h06
